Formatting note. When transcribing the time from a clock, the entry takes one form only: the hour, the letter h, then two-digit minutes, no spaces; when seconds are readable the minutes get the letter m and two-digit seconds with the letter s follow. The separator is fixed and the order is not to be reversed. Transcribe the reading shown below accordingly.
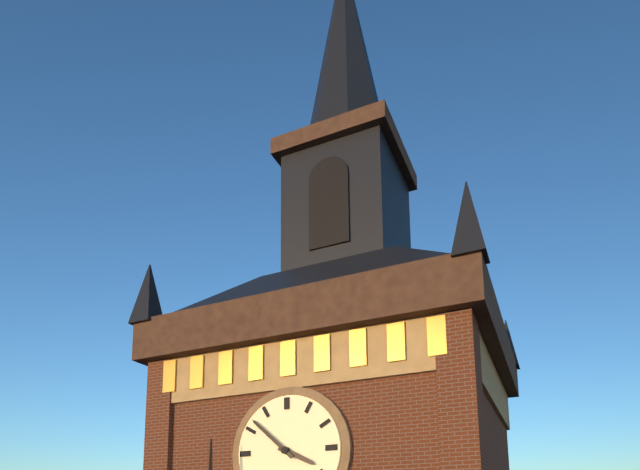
3h52
